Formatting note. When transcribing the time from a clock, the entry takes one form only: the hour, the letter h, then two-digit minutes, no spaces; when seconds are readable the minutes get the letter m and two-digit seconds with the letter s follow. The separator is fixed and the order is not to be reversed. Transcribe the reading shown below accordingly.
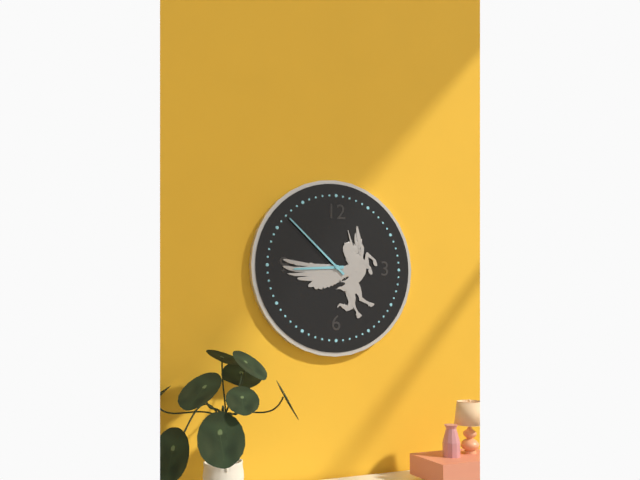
8h52
